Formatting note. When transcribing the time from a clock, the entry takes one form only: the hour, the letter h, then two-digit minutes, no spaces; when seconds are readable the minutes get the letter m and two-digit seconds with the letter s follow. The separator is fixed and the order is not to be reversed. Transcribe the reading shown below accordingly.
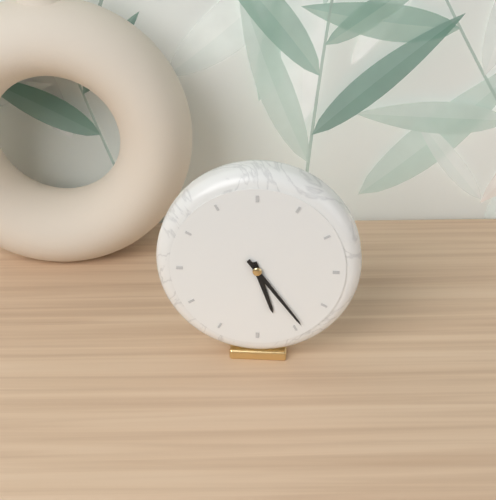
5h24
